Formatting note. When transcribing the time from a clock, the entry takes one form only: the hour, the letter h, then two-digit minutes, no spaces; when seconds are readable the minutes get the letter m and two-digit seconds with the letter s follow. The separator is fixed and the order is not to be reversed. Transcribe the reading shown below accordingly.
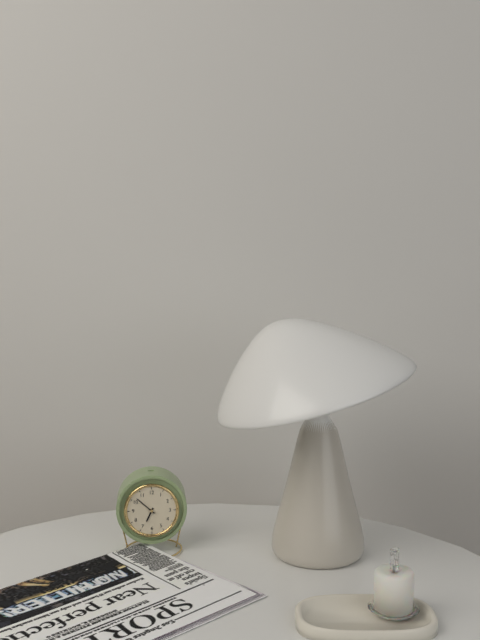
6h52
